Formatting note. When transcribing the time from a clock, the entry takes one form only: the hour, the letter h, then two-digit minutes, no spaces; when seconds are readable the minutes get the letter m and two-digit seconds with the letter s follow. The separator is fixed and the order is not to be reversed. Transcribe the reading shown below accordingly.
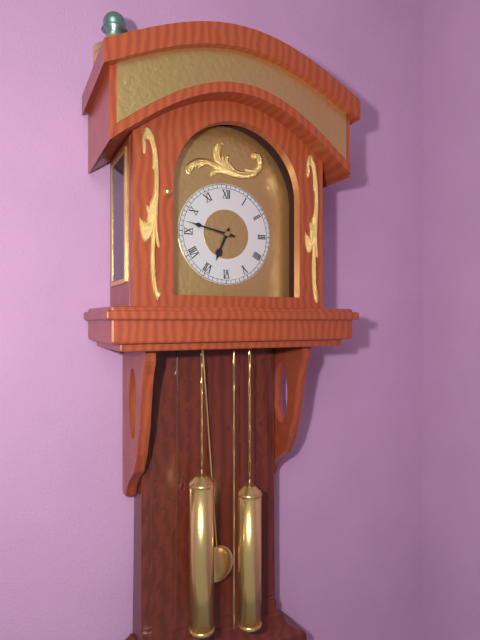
6h47
